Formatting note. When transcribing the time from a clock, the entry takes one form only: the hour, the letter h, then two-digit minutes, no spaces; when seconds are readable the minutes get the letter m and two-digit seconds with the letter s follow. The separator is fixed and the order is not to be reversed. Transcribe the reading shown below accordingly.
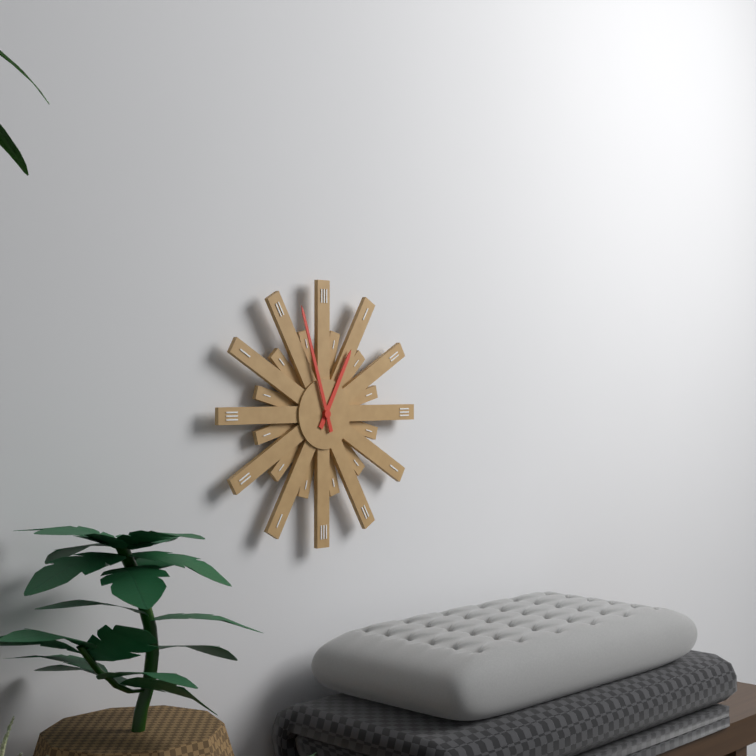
12h57
